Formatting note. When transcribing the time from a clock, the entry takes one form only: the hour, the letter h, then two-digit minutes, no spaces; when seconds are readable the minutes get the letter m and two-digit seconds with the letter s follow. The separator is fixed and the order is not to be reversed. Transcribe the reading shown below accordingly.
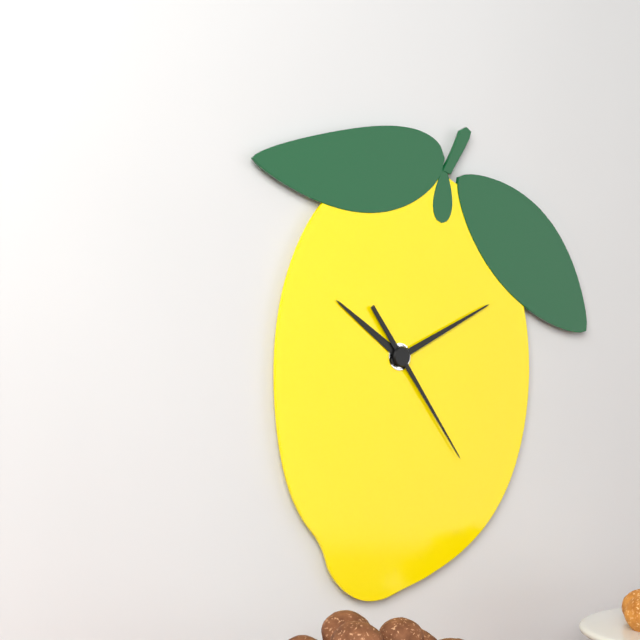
10h11m24s
